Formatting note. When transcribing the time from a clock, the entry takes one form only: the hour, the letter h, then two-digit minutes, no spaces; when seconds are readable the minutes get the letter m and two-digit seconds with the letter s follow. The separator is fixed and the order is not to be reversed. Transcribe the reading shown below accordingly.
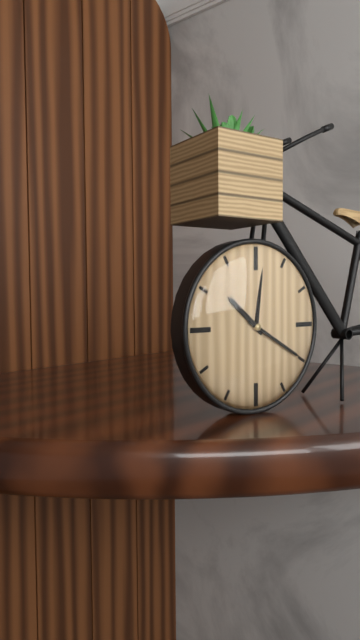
10h20
